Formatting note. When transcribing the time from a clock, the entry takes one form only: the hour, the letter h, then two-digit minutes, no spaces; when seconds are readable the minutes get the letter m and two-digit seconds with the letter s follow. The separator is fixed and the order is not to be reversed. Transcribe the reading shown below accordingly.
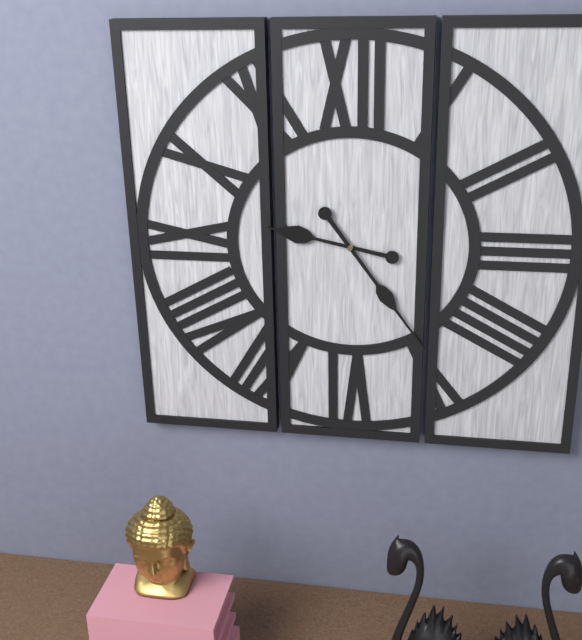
9h24
